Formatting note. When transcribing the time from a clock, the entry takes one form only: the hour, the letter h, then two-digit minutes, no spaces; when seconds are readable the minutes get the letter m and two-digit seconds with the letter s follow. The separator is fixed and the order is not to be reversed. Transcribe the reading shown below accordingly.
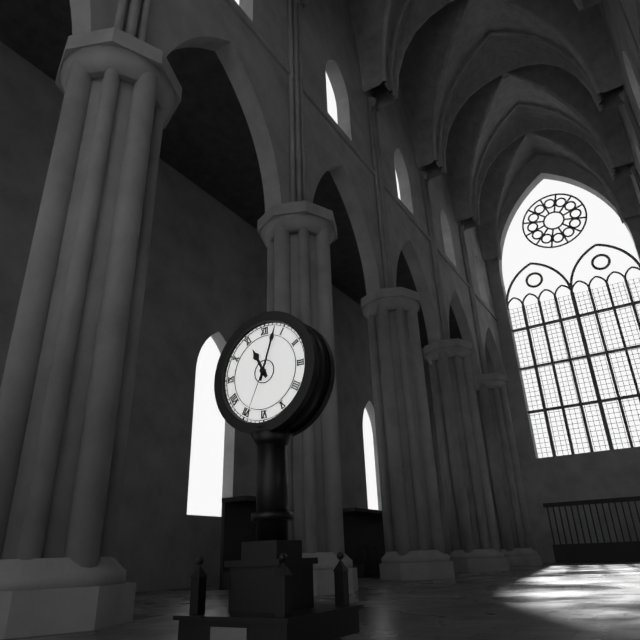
11h03m34s
